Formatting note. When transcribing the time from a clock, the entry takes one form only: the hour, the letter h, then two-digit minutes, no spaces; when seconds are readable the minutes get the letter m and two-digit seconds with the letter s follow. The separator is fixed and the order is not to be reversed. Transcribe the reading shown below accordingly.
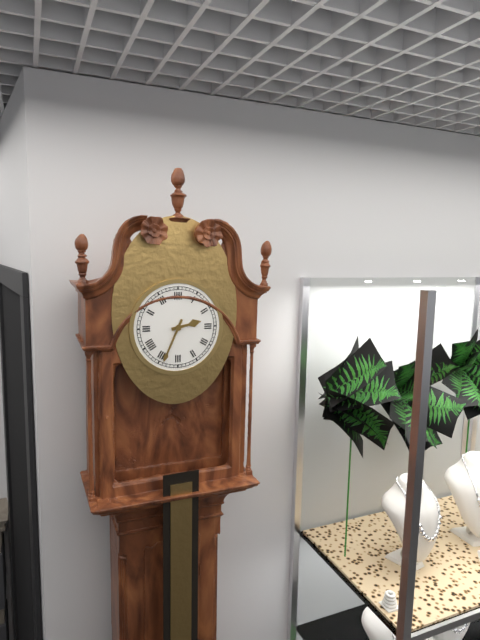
2h34
